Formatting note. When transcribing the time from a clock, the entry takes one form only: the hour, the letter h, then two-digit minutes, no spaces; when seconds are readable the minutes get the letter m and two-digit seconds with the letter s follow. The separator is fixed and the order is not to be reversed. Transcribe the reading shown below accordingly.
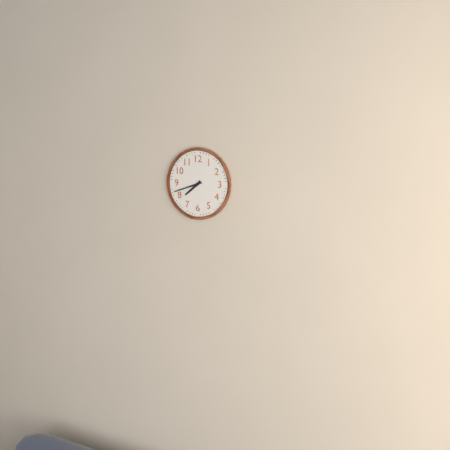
7h42
